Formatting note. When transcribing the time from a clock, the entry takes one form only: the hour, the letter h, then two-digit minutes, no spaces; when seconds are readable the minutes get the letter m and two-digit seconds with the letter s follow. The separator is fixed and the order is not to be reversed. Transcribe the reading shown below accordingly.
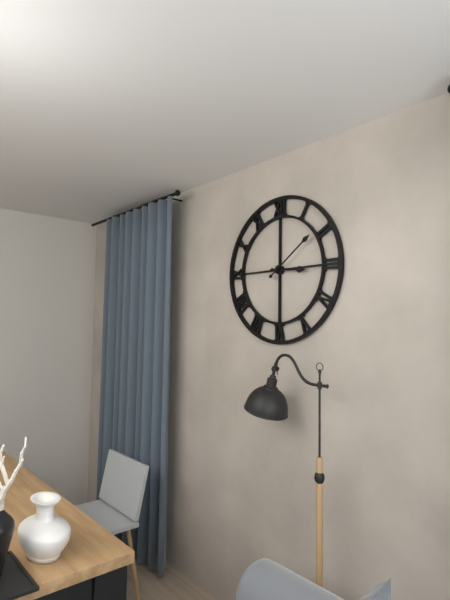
3h09
